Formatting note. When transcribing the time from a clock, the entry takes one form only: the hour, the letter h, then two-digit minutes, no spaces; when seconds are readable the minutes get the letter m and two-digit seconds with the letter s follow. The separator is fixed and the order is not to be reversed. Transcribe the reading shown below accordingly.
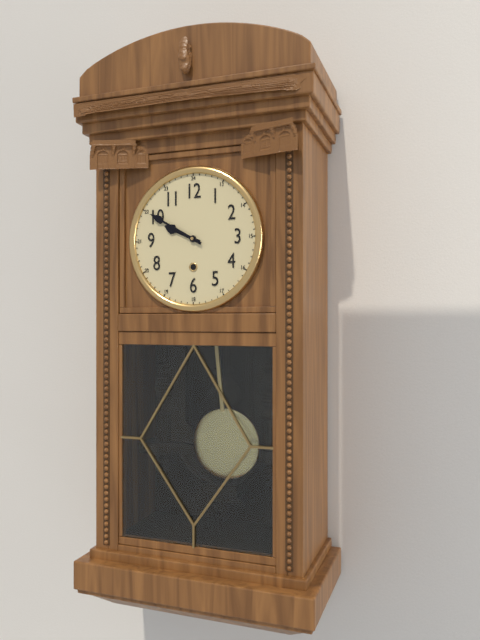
9h50
